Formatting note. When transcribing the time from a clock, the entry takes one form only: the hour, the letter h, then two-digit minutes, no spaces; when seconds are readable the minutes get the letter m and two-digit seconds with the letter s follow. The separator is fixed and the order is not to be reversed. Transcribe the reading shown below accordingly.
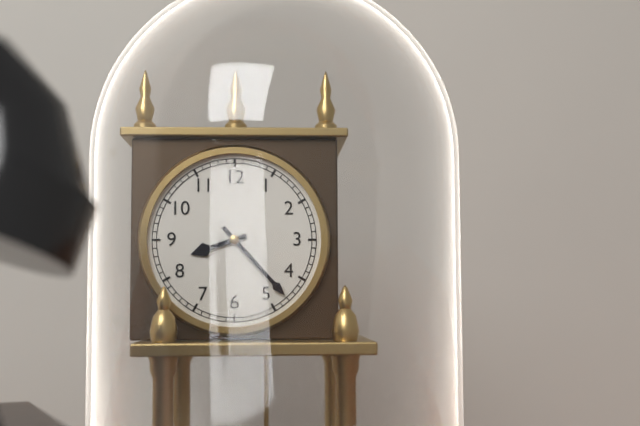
8h23
